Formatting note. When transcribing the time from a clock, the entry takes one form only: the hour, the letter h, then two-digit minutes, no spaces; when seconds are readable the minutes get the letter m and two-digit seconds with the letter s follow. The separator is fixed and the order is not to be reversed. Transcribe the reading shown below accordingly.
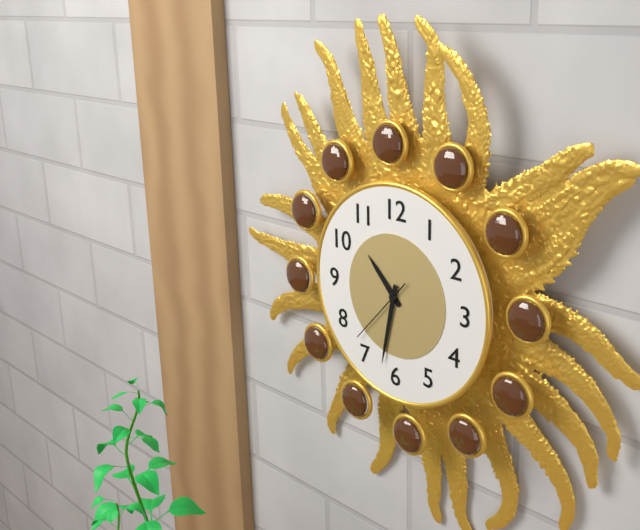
10h32m37s
